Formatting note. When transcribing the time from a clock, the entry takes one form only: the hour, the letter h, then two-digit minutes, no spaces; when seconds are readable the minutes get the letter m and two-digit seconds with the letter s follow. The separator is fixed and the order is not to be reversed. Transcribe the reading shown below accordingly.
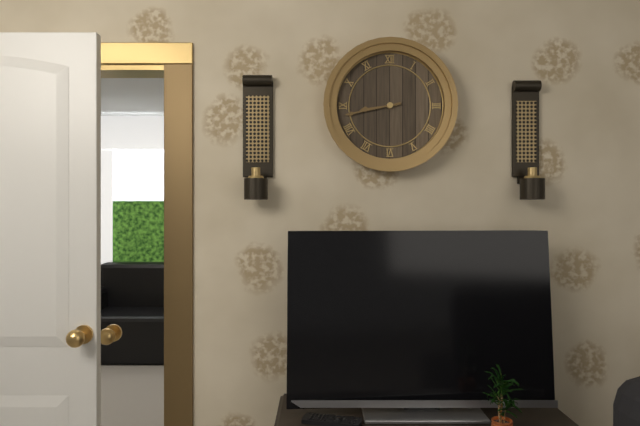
8h43
